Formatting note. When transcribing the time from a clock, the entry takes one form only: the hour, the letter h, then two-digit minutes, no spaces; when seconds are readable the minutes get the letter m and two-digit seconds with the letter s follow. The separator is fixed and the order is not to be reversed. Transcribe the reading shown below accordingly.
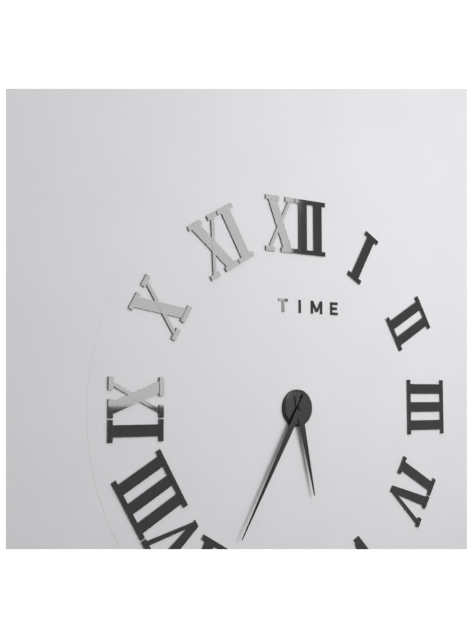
5h35
